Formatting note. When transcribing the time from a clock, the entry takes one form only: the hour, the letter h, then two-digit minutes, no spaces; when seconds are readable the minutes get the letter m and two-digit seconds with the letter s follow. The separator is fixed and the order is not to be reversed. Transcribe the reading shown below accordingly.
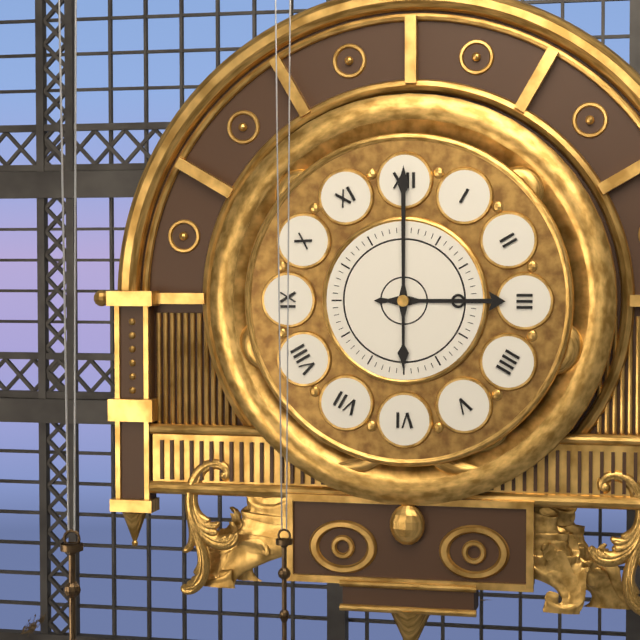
3h00
